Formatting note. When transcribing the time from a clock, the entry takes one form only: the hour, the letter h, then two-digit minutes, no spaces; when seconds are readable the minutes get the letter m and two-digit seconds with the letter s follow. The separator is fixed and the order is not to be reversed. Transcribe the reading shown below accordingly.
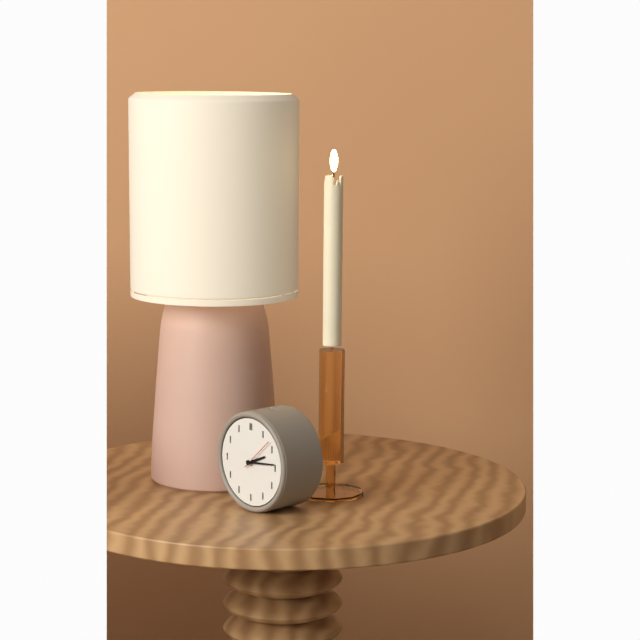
2h14
